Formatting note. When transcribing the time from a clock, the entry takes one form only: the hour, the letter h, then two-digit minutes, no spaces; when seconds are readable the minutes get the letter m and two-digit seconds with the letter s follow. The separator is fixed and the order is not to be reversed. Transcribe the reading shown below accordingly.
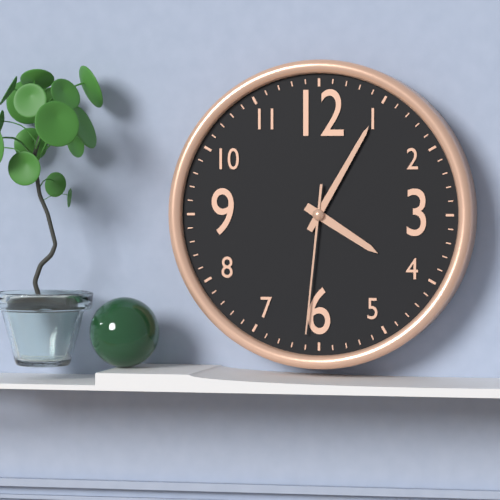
4h05m31s
